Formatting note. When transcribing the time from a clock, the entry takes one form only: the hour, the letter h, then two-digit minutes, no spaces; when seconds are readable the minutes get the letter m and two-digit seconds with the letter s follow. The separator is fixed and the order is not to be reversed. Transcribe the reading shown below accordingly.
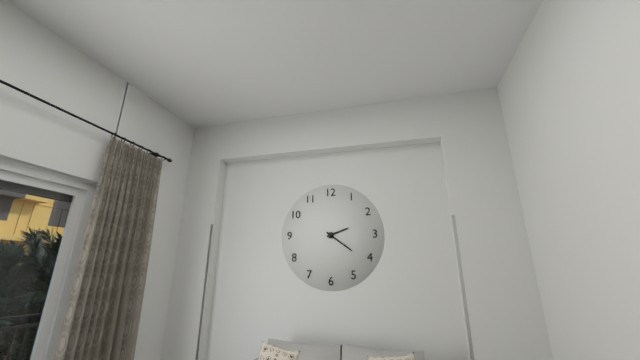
2h21
